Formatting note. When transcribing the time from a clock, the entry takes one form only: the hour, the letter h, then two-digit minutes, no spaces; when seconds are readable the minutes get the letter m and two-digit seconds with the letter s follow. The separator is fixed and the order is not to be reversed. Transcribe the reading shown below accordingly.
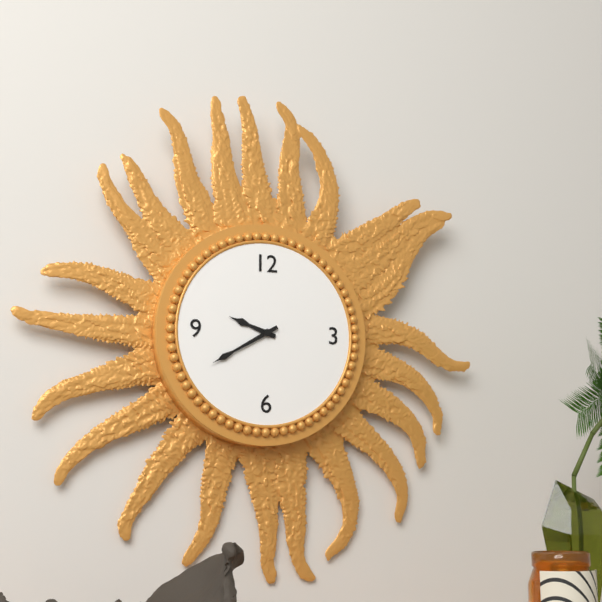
9h40
